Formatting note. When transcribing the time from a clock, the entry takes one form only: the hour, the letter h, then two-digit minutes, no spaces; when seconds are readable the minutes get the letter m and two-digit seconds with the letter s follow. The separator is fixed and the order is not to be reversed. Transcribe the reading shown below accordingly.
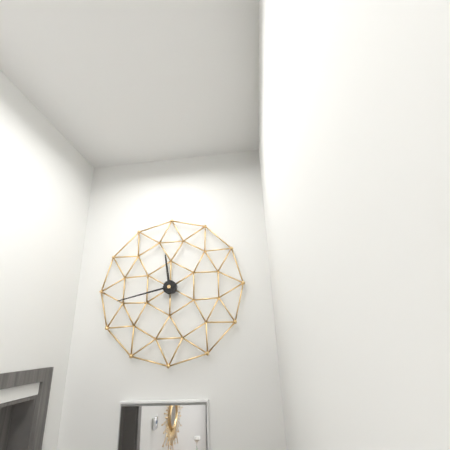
11h43
